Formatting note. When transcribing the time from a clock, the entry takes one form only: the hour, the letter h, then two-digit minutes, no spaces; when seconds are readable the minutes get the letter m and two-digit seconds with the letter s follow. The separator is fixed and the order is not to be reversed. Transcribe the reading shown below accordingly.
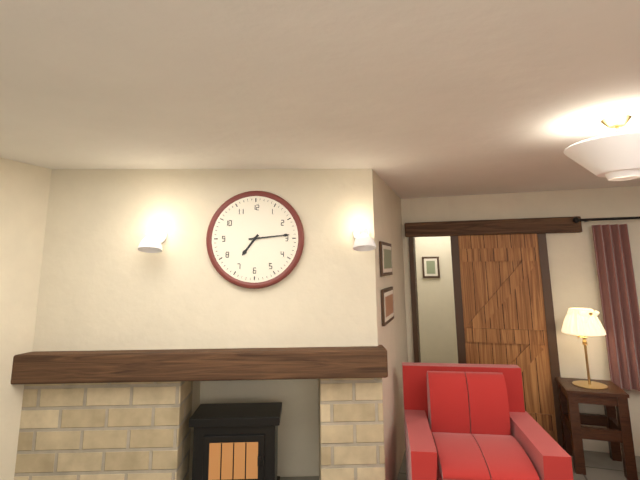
7h14
